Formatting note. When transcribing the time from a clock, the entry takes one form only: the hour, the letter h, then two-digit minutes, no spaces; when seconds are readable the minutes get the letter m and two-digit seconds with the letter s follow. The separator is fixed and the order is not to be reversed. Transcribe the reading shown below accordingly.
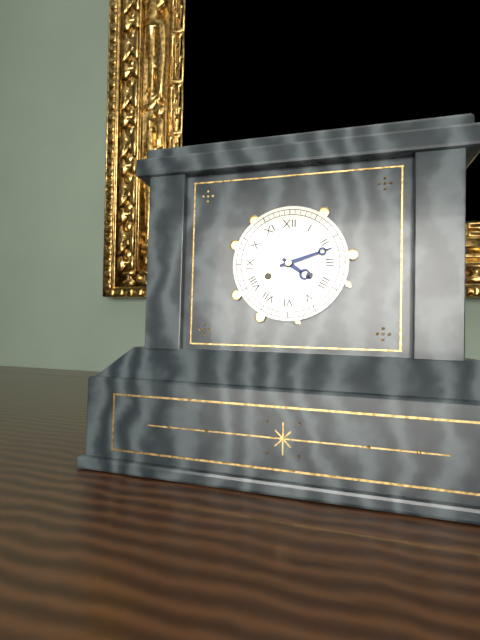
4h12
